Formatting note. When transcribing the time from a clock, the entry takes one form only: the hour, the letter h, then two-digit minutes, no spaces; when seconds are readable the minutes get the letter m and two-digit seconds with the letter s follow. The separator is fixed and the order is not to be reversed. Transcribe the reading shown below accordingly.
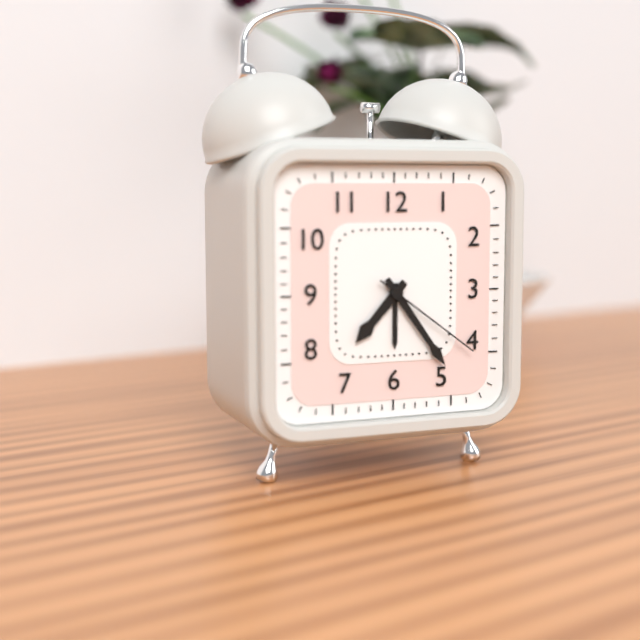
7h24m21s
